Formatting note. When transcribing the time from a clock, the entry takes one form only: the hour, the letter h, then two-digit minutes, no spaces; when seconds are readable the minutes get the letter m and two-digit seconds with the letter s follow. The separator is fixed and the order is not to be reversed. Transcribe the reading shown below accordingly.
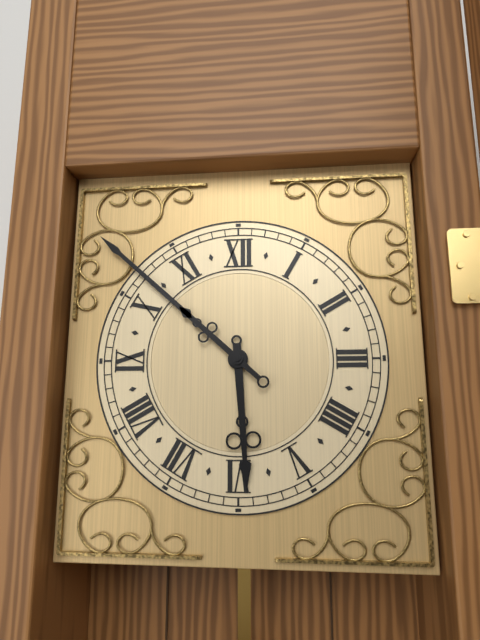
5h52
